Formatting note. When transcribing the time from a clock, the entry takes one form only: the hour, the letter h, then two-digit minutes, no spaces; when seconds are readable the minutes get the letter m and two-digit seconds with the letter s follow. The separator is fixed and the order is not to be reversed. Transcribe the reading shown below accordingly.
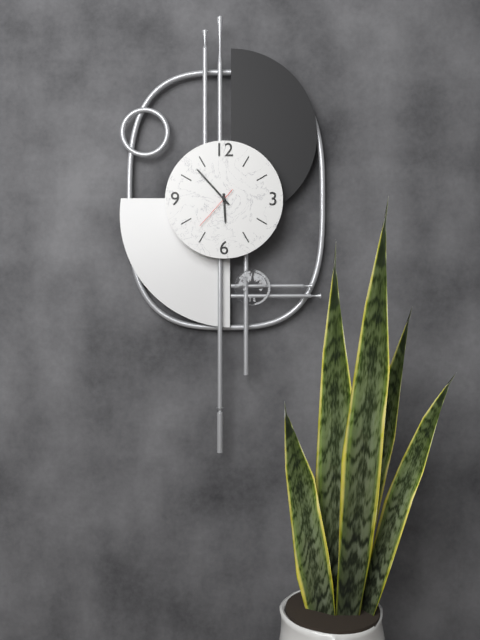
5h53
